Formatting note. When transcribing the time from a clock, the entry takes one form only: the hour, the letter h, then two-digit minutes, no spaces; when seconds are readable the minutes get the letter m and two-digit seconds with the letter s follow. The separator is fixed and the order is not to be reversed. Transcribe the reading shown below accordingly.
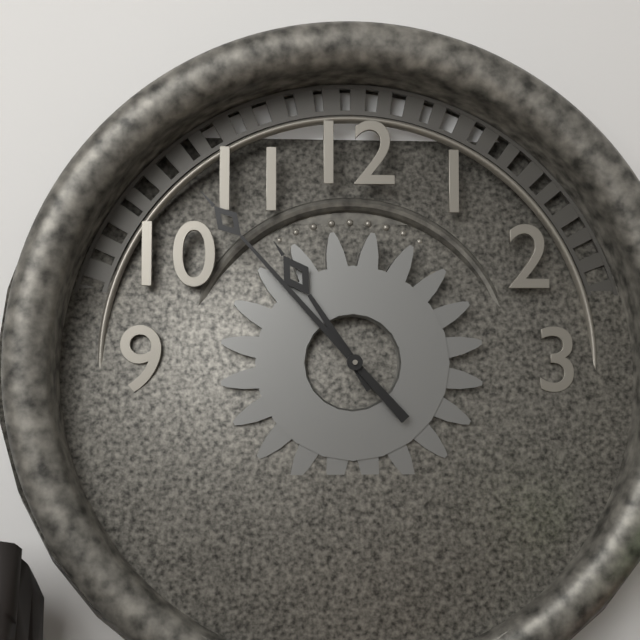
10h53
